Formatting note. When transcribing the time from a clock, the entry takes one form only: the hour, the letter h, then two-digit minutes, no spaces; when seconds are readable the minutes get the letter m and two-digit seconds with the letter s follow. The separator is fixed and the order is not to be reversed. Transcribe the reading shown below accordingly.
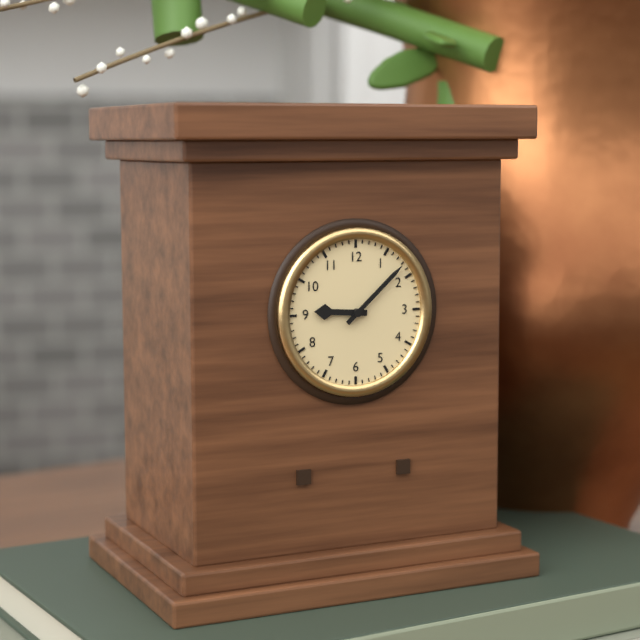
9h08
